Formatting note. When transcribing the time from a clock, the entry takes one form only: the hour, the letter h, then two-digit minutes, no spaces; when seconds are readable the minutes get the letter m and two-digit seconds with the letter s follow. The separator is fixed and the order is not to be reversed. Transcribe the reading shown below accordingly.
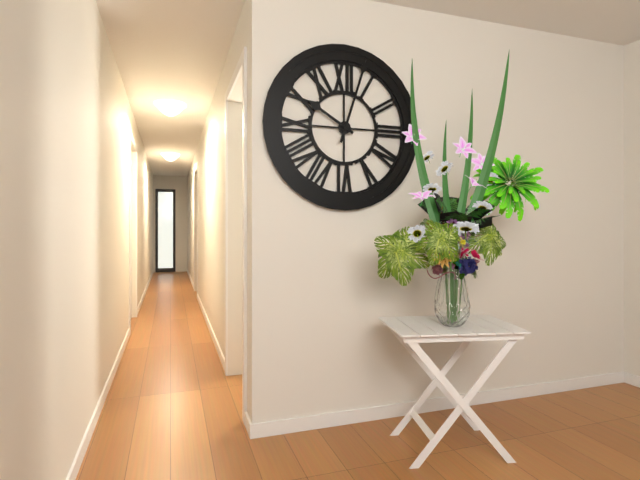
10h03
